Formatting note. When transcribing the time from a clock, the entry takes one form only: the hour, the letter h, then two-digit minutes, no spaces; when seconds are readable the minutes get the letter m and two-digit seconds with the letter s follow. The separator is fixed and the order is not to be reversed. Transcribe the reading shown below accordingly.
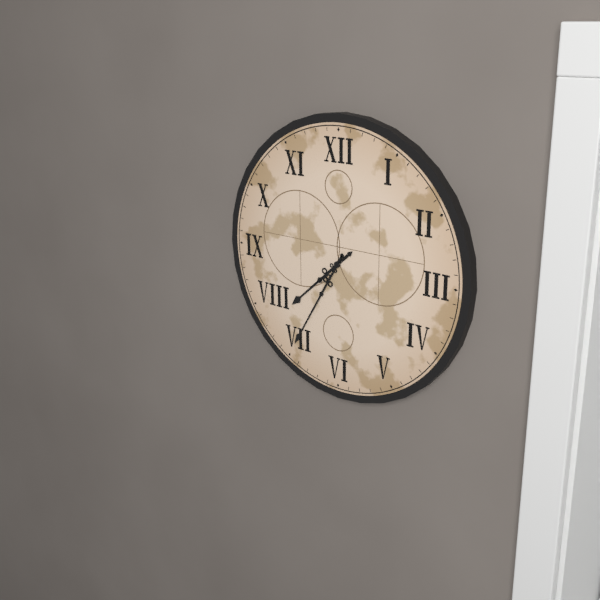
7h35
